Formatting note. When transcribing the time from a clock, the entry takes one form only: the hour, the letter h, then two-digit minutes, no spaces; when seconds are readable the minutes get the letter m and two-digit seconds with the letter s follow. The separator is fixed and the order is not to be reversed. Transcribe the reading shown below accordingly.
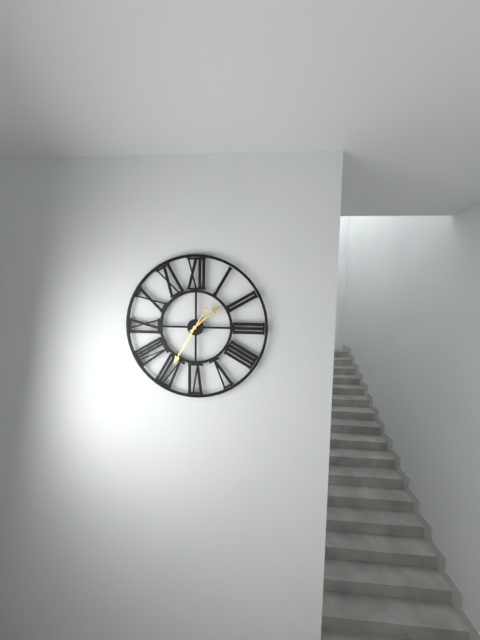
1h35
